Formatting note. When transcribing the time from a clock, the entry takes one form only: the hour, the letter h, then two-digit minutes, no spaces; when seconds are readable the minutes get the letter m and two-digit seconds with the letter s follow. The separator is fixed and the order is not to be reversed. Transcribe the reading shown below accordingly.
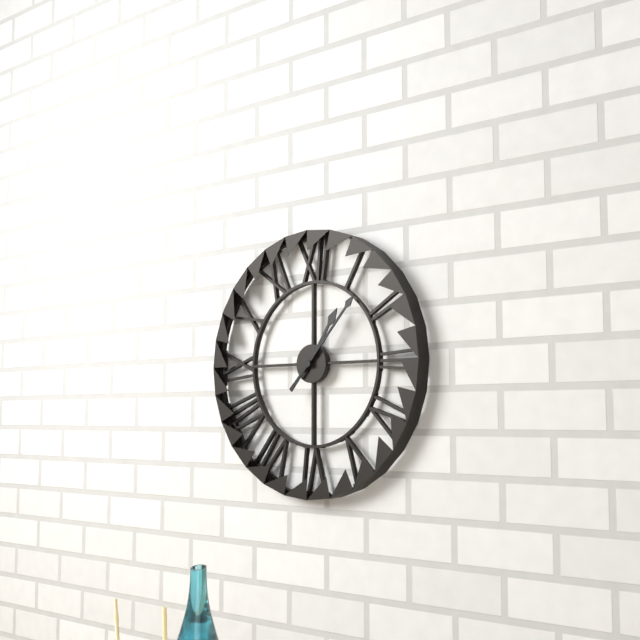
1h07
